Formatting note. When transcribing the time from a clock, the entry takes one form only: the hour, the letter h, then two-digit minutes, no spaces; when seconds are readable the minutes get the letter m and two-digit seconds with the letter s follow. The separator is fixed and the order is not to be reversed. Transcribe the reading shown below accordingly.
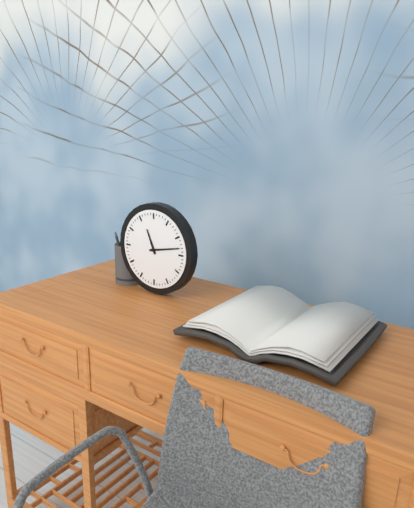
11h13
